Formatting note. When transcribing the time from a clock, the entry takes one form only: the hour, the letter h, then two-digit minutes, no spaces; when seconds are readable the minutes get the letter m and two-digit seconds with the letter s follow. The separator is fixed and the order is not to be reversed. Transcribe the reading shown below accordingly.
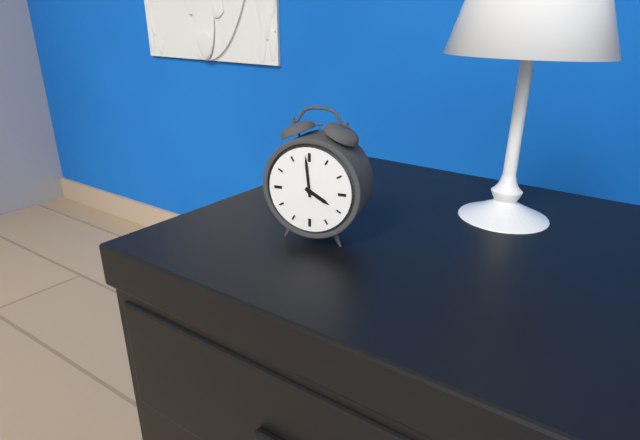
3h59
